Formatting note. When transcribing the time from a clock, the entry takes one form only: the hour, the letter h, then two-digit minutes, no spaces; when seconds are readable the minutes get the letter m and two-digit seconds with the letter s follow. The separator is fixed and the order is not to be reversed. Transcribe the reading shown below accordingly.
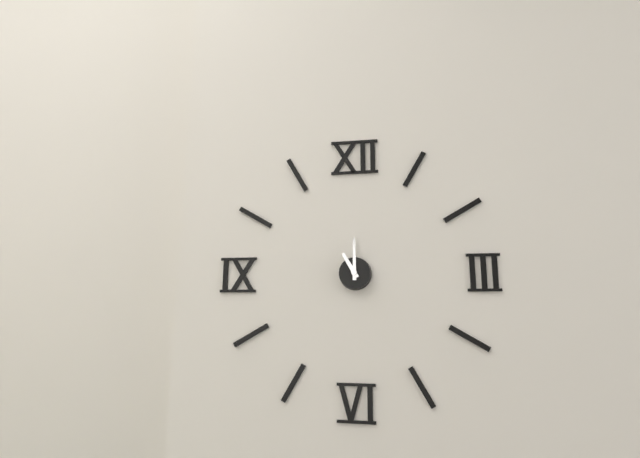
11h00
